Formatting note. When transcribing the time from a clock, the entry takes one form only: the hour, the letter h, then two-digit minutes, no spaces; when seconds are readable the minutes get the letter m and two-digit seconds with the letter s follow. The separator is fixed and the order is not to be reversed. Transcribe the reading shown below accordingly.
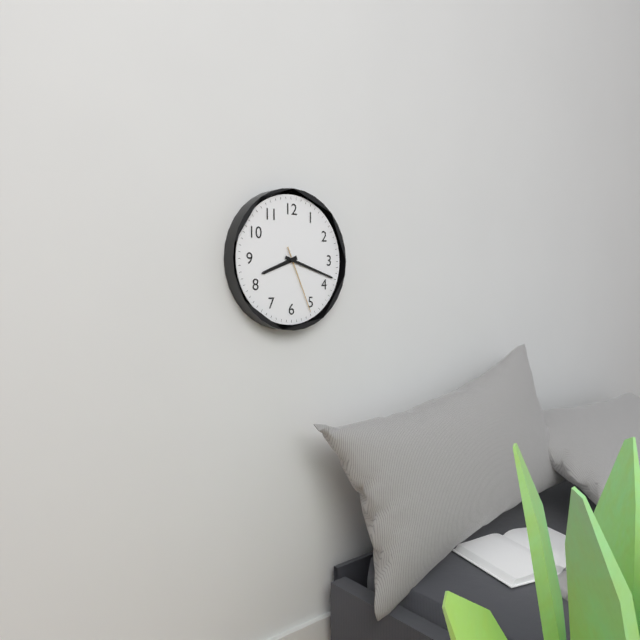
8h18m26s
